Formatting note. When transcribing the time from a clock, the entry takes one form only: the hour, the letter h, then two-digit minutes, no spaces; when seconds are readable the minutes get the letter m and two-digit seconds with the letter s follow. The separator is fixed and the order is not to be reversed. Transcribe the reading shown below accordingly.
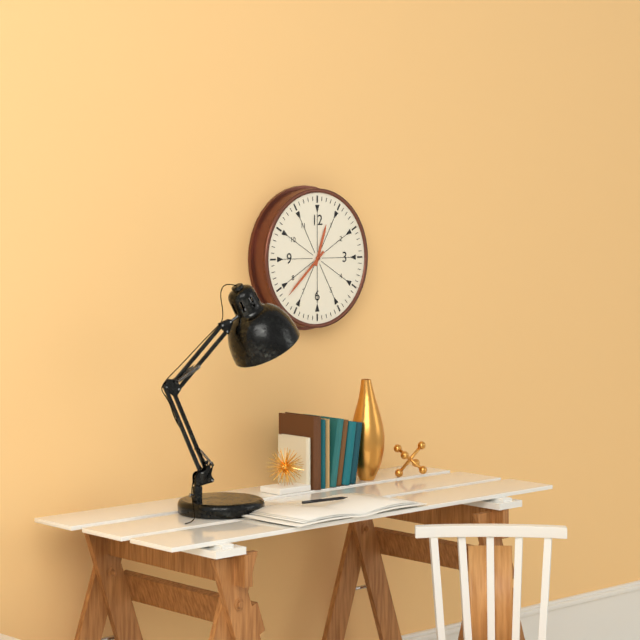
12h38
